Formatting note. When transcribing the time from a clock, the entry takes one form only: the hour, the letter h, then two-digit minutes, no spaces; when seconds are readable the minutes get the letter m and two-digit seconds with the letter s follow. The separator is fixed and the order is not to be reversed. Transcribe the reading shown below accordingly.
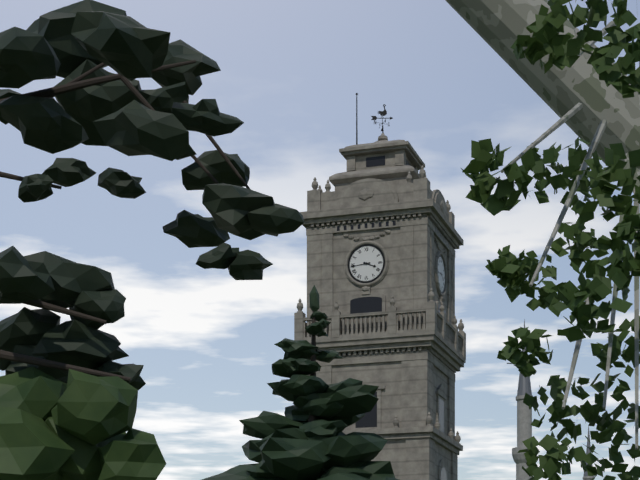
3h44
